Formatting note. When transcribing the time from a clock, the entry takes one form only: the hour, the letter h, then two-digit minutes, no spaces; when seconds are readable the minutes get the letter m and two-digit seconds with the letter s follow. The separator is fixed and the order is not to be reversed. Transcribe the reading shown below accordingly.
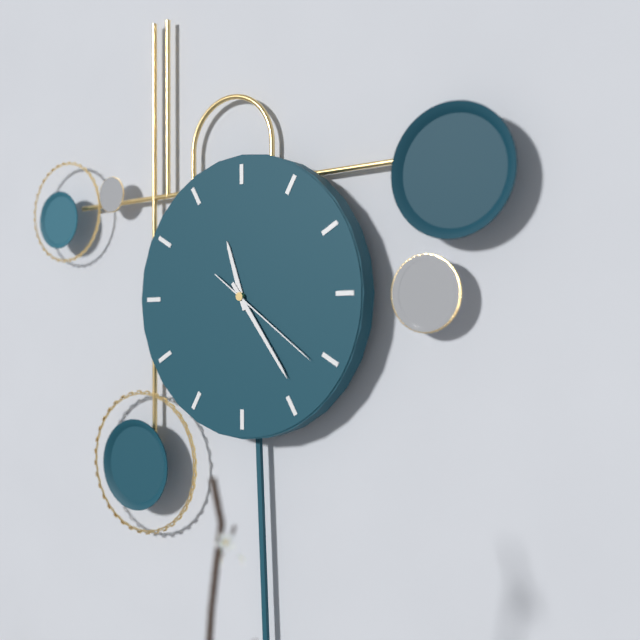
11h24m21s
